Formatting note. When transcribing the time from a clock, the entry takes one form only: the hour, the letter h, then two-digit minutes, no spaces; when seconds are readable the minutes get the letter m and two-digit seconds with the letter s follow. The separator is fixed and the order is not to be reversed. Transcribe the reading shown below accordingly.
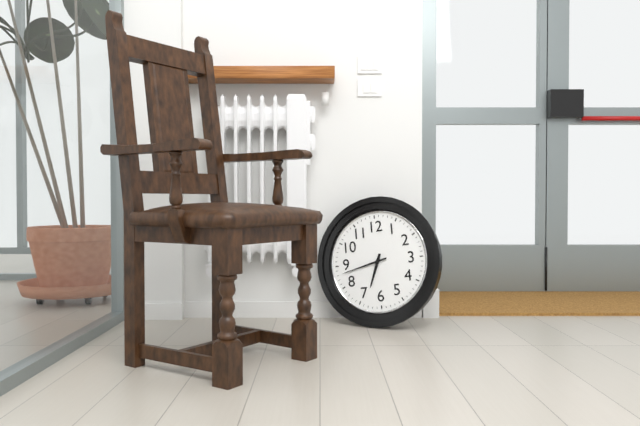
6h43
